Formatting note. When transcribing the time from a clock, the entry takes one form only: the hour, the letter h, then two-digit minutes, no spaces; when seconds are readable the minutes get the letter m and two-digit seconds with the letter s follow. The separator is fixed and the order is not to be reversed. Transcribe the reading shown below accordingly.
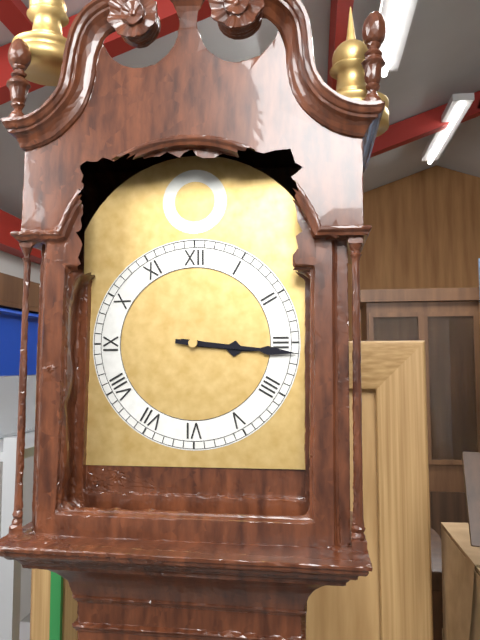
3h16
